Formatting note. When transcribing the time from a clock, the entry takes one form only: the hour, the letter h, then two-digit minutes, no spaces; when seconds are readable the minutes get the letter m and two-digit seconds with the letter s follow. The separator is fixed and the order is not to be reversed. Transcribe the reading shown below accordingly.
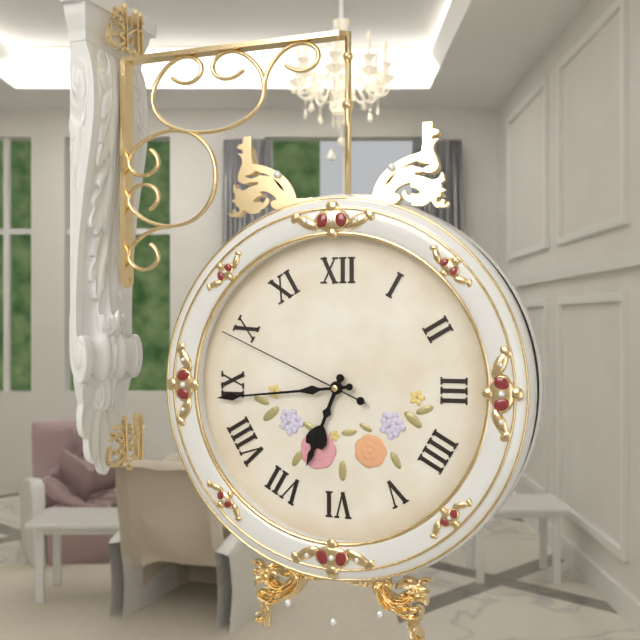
6h44m49s
